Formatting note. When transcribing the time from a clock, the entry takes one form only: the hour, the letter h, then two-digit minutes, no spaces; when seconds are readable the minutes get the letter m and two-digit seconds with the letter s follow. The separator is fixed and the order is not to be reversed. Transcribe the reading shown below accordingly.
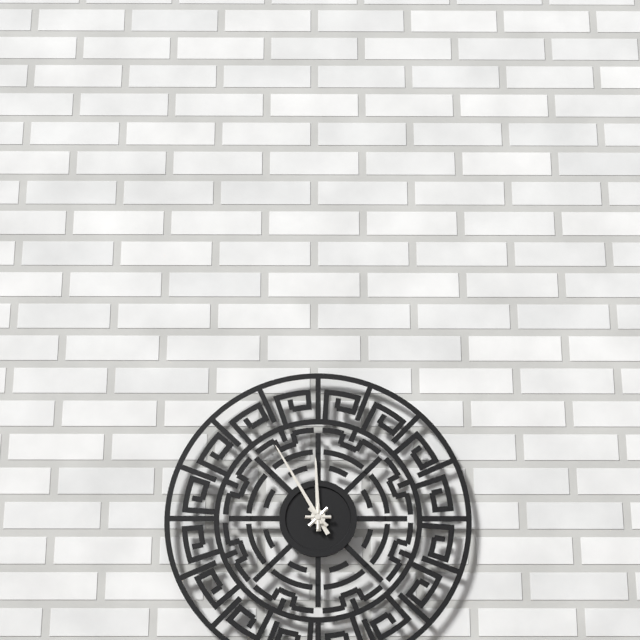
11h55
